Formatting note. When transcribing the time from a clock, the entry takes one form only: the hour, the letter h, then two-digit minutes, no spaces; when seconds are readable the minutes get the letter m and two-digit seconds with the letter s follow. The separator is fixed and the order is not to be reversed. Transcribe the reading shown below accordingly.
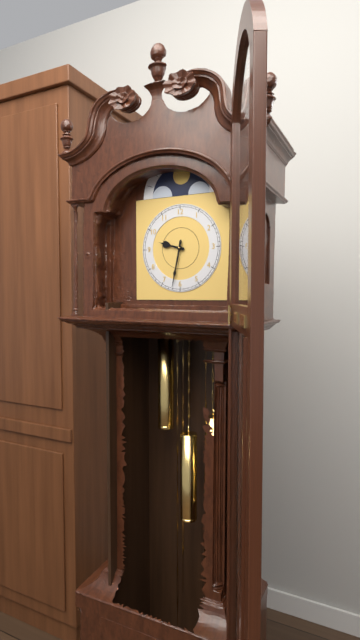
9h32
